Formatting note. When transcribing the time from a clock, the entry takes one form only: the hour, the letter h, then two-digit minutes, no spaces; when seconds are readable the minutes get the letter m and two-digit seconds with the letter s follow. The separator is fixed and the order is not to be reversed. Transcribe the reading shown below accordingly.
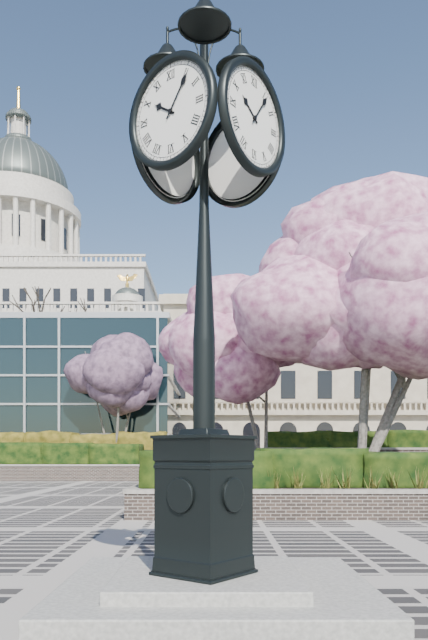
10h06
